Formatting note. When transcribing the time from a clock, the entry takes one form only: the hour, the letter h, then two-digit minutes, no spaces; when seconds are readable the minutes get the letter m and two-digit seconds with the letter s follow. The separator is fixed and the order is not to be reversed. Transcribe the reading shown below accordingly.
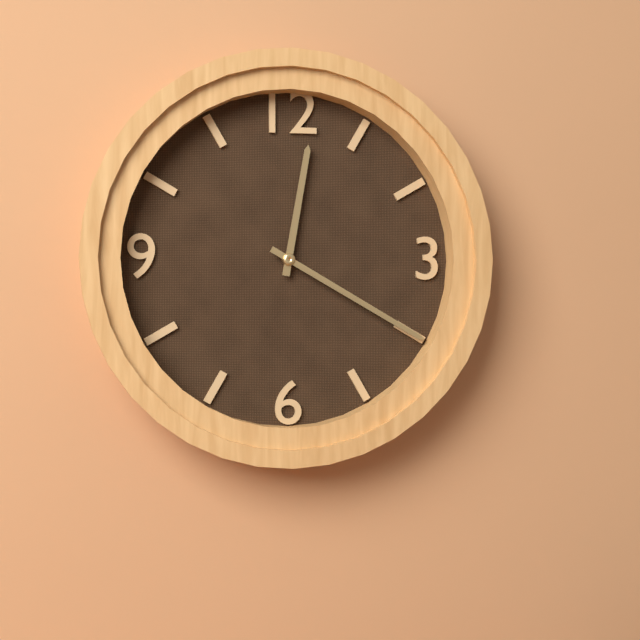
12h20
